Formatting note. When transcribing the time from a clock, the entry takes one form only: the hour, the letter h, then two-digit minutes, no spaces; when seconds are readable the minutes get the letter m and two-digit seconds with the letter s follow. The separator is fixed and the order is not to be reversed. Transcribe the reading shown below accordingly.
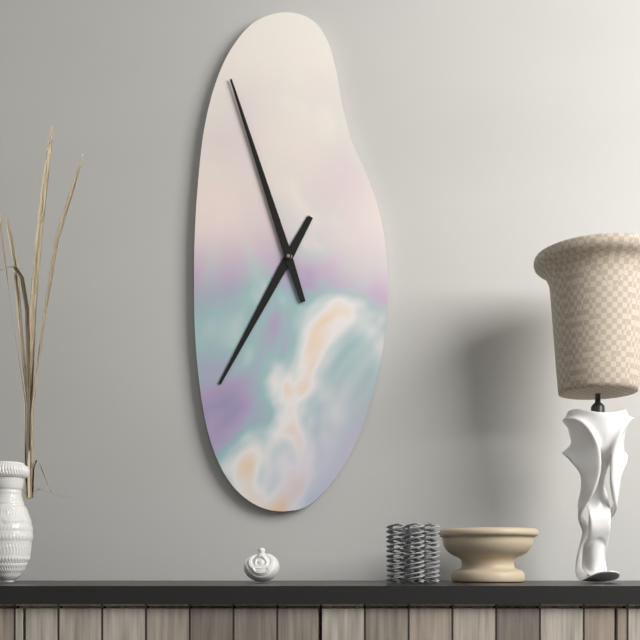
6h57
